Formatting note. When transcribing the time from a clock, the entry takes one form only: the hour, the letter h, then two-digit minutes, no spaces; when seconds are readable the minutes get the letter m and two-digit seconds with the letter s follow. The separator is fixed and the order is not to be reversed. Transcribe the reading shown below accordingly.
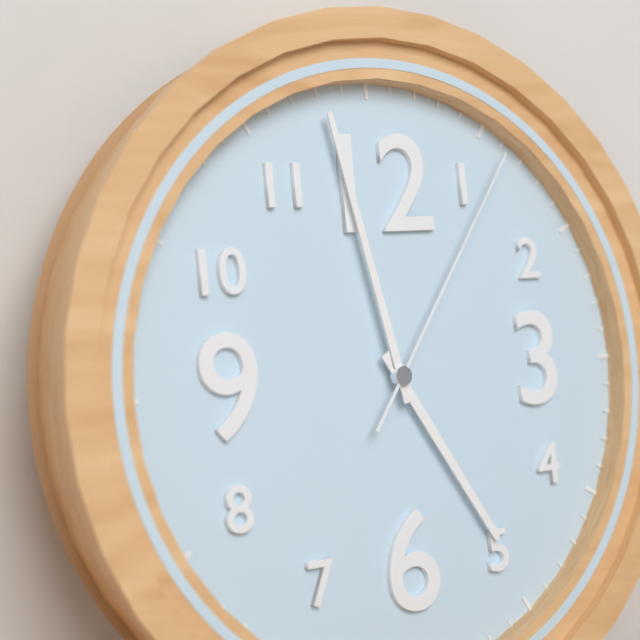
4h58m06s
